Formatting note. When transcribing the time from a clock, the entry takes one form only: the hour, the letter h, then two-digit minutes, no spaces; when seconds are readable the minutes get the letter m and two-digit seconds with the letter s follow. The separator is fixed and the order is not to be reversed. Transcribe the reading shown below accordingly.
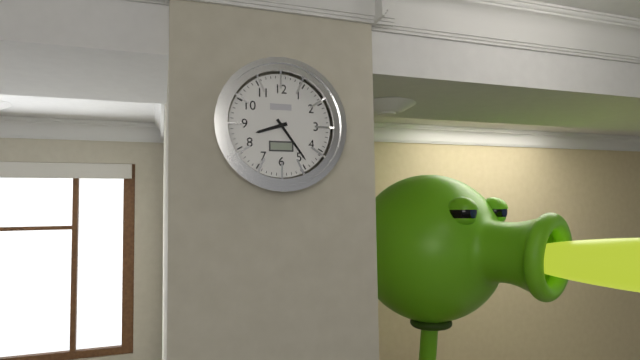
8h24
